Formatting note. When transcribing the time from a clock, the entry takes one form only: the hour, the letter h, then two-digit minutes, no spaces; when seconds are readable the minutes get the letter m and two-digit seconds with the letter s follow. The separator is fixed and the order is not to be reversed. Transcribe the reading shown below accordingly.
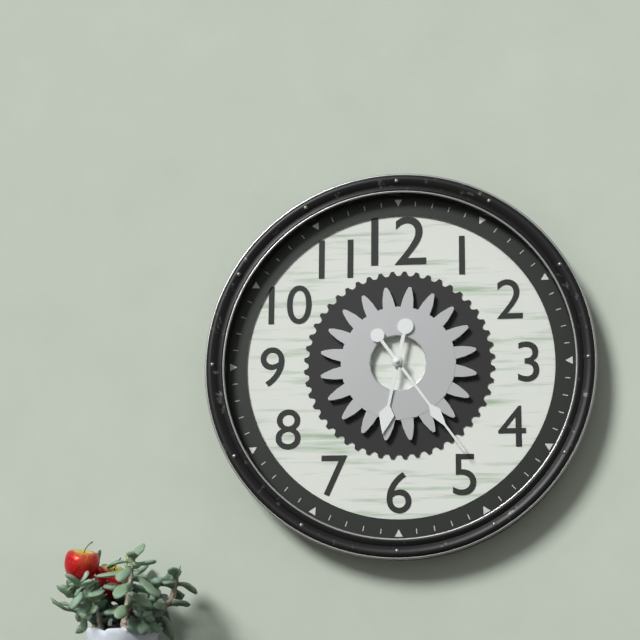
6h24
